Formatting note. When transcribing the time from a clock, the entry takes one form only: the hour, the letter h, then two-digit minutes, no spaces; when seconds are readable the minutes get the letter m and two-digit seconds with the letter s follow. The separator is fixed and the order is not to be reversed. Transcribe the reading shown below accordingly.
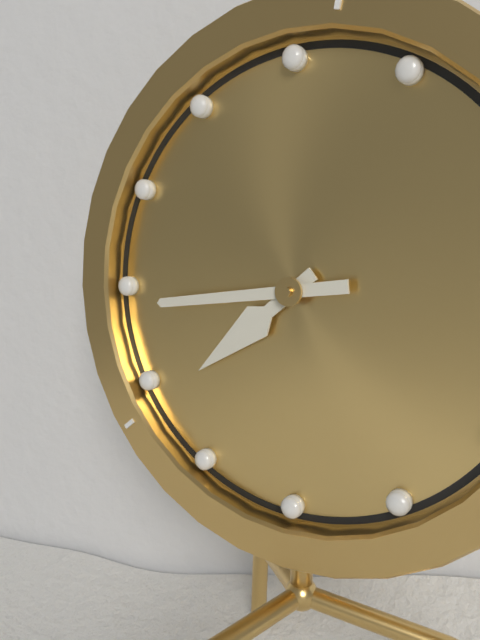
7h44
